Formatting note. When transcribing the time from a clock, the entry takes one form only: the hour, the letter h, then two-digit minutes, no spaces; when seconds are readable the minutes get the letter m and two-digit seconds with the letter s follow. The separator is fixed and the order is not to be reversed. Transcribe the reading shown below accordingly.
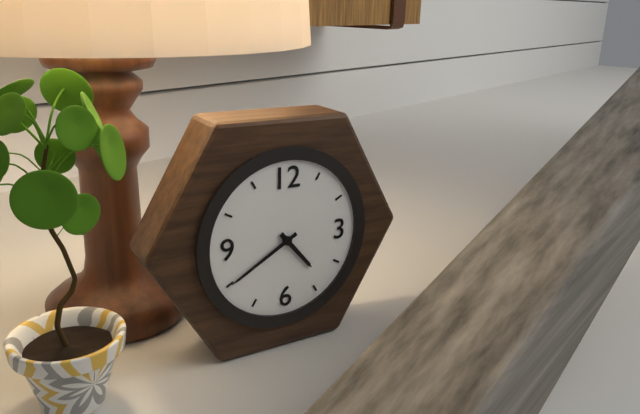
4h40
